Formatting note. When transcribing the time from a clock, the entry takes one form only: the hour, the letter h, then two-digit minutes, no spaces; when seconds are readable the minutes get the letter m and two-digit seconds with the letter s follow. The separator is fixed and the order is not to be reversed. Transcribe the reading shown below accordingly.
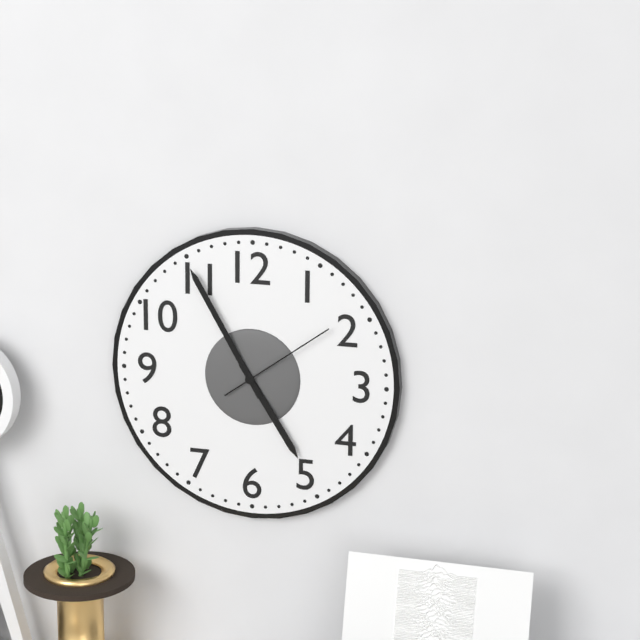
4h55m09s
